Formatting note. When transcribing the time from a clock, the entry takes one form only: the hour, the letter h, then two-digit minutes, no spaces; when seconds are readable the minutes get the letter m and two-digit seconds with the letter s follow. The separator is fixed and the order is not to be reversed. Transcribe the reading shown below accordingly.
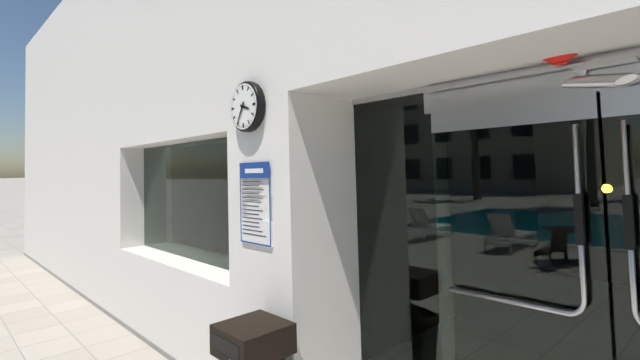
3h35
